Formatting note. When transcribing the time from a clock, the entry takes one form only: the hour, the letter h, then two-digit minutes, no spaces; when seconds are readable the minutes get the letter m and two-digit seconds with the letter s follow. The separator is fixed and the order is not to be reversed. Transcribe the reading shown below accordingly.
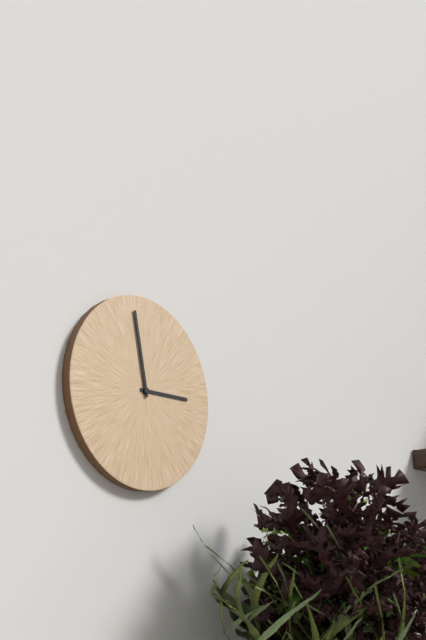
2h58
